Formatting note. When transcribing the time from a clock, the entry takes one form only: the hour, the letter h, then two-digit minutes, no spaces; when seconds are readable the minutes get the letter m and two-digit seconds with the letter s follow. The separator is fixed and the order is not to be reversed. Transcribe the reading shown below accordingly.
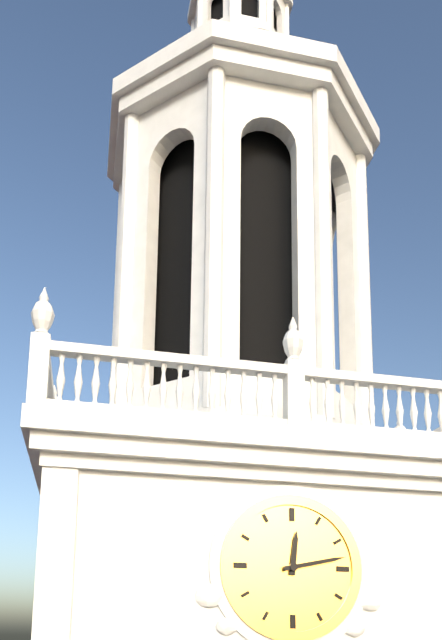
12h13
